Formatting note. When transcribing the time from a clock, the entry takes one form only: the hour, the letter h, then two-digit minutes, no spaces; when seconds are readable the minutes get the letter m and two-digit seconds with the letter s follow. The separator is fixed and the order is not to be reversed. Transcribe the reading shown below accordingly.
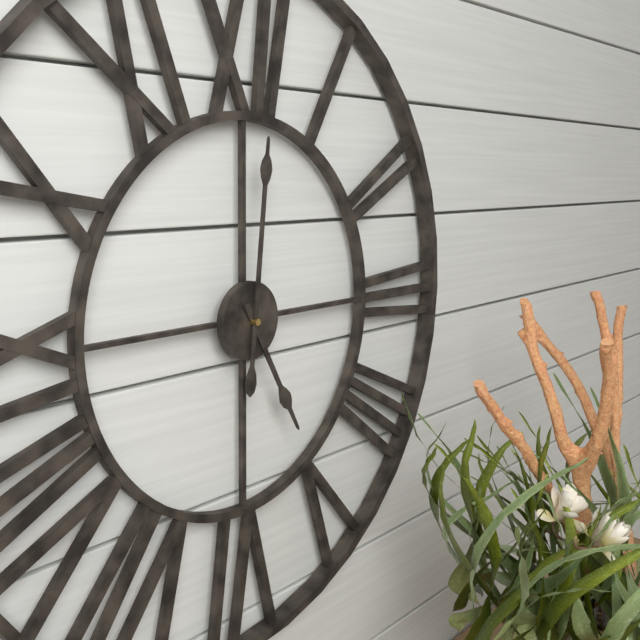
5h01
